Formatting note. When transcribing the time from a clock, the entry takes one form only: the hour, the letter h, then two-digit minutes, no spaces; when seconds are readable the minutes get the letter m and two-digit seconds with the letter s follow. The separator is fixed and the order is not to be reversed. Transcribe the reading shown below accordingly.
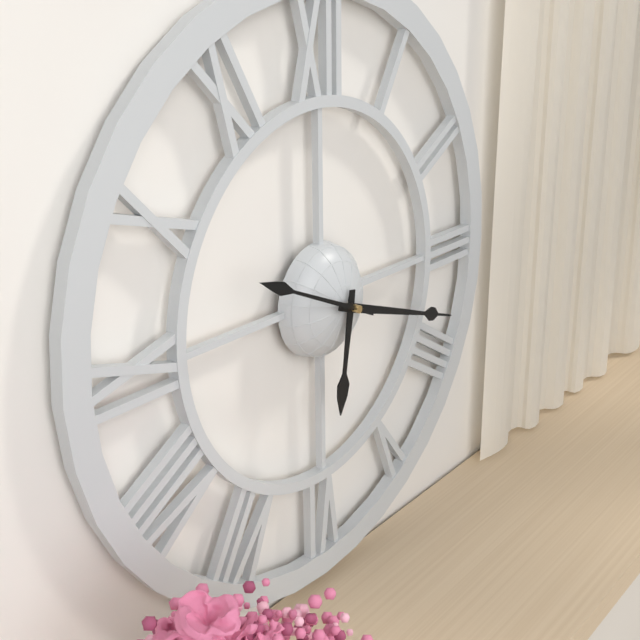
6h18m49s
